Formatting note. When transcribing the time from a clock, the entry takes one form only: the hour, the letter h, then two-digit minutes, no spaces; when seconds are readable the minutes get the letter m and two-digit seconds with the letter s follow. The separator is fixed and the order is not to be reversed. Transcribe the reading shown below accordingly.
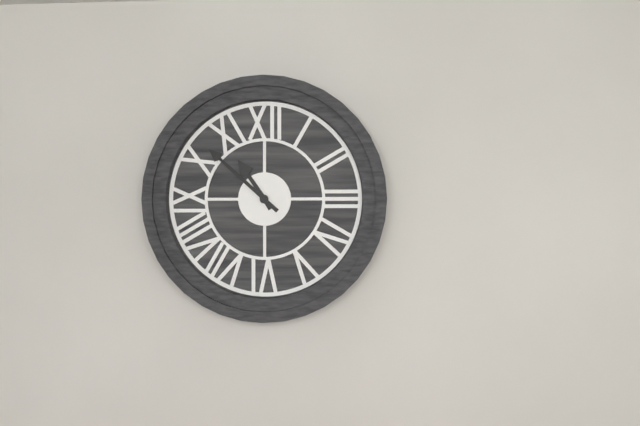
10h52
